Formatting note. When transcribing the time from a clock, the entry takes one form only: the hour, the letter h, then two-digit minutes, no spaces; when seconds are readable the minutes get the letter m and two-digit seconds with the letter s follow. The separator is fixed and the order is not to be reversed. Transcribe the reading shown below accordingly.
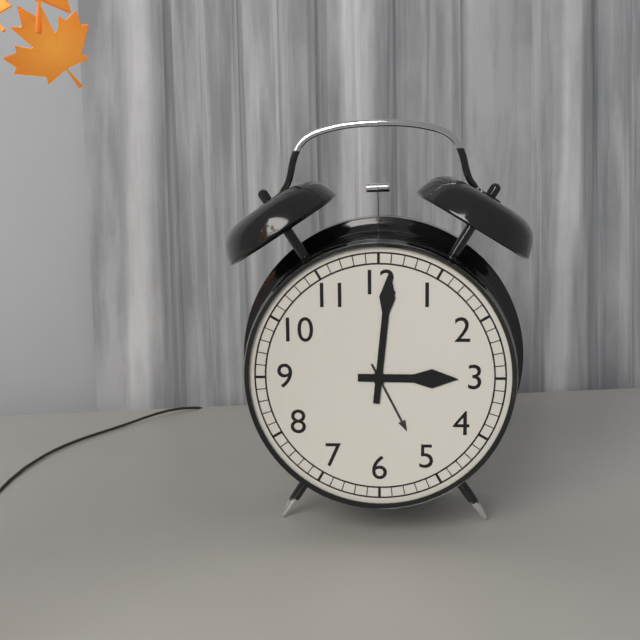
3h01
